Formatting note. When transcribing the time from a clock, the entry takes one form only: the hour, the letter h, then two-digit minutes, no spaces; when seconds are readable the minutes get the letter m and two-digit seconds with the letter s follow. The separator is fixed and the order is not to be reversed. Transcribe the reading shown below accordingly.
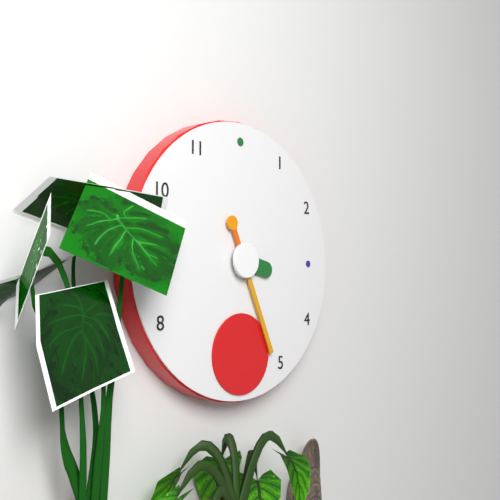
3h26
